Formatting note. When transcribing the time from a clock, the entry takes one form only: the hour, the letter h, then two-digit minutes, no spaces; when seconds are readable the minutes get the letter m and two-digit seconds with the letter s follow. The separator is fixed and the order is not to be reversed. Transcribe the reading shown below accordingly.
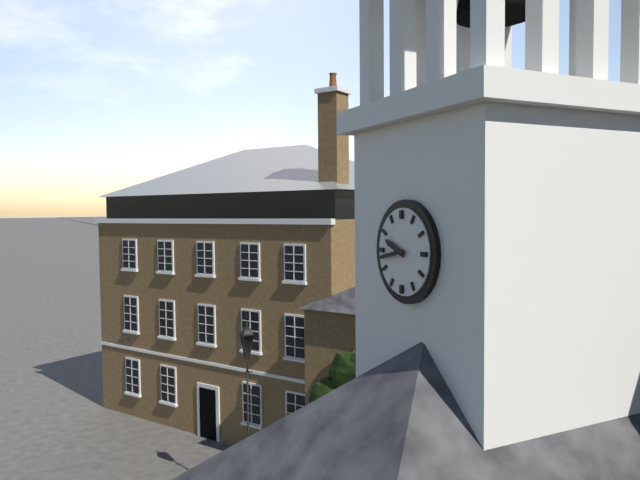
9h43
